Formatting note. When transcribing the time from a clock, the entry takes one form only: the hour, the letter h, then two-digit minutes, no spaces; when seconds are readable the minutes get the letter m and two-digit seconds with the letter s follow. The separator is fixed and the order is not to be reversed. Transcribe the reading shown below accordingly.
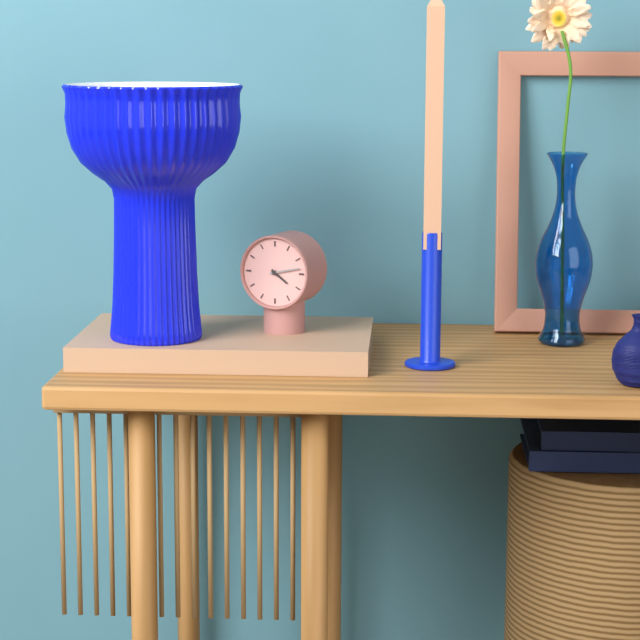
4h13
